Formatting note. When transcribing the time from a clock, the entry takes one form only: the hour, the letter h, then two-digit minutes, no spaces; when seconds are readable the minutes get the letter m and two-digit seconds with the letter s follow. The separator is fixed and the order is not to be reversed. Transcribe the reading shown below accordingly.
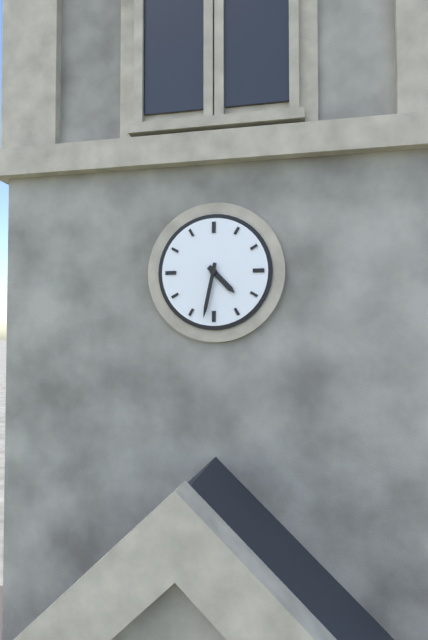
4h32
